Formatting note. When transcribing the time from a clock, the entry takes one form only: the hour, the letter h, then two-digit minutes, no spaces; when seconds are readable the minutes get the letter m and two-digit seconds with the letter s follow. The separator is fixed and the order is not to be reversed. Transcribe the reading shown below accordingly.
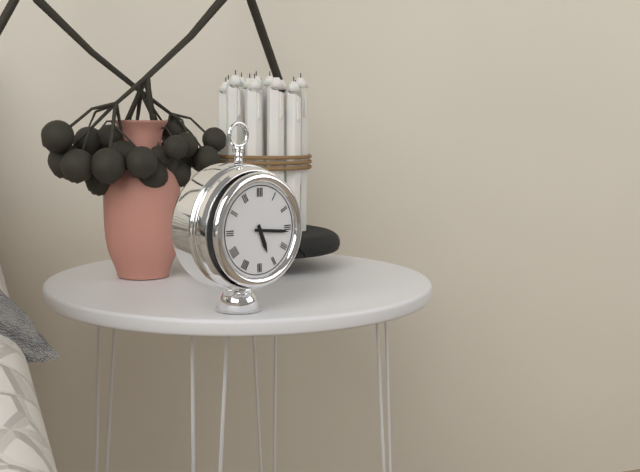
5h16
